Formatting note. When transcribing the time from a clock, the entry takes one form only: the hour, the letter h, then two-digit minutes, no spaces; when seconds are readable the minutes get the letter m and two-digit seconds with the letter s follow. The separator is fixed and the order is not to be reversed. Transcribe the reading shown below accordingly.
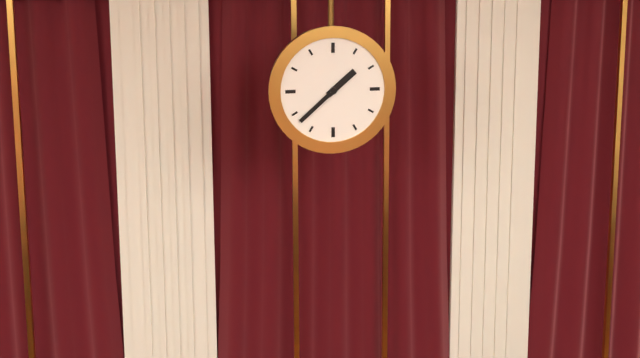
1h38
